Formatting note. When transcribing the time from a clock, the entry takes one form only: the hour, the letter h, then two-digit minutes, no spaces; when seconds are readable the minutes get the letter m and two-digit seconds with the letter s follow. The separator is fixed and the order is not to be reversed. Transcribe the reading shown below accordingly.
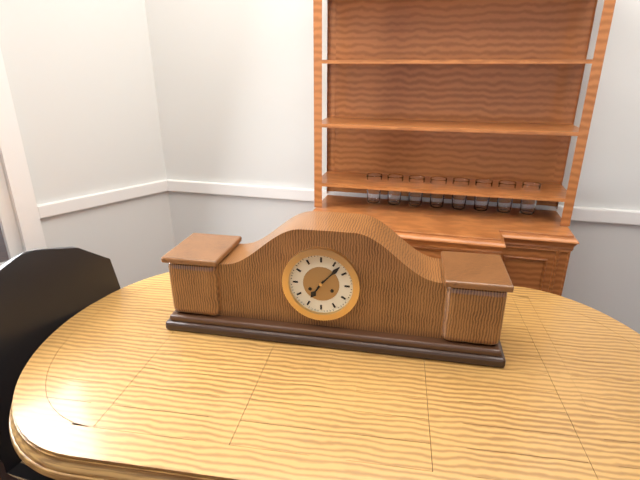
7h07
